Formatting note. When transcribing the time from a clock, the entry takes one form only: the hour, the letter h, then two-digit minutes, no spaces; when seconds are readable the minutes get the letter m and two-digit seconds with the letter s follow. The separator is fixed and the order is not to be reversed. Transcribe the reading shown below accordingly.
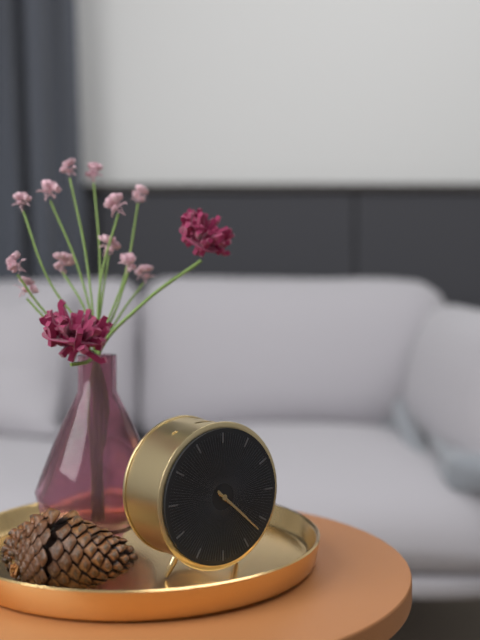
4h22
